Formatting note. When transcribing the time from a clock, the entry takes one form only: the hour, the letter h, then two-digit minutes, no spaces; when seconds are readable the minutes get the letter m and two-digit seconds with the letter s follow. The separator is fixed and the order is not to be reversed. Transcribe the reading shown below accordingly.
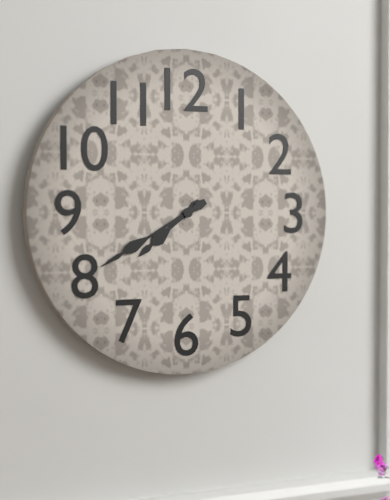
7h40
